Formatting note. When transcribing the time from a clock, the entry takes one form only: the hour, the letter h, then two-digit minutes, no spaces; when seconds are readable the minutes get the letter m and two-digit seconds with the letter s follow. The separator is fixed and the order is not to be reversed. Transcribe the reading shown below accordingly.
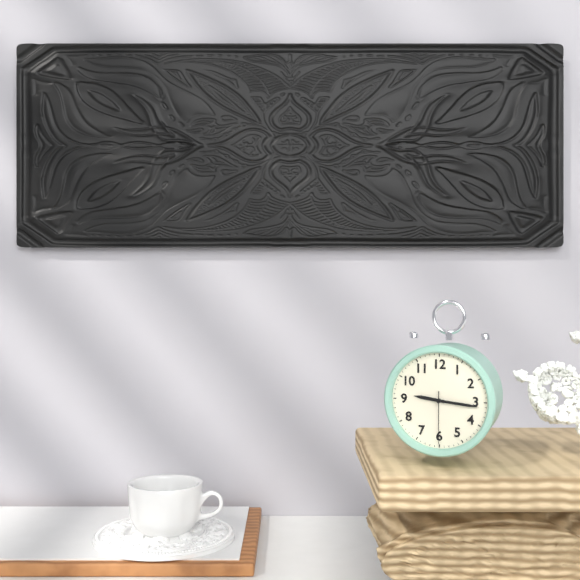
9h16m30s
